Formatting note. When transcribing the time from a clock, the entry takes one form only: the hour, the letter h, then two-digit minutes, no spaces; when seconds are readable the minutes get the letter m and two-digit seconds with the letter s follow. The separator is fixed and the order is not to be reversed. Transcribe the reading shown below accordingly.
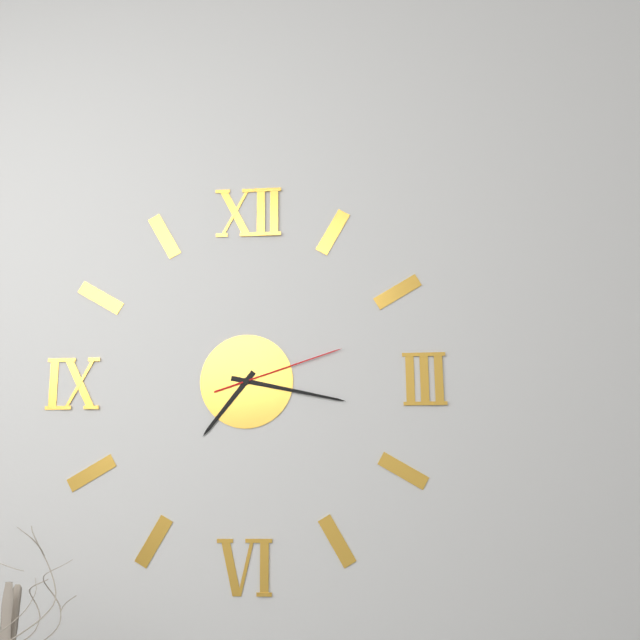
7h17m12s
